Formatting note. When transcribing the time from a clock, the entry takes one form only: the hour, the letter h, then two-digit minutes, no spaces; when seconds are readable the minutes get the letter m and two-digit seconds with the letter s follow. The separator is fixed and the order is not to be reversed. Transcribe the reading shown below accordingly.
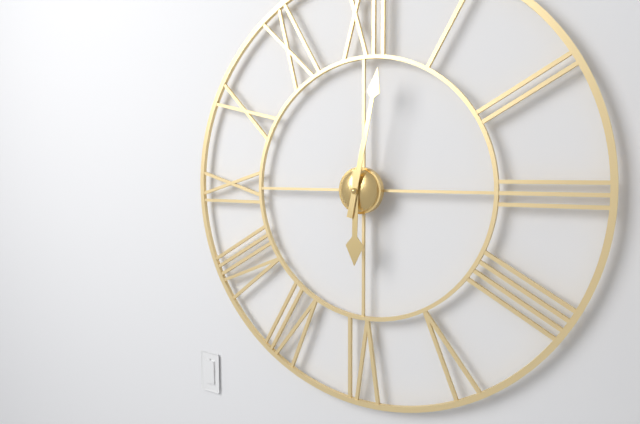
6h02
